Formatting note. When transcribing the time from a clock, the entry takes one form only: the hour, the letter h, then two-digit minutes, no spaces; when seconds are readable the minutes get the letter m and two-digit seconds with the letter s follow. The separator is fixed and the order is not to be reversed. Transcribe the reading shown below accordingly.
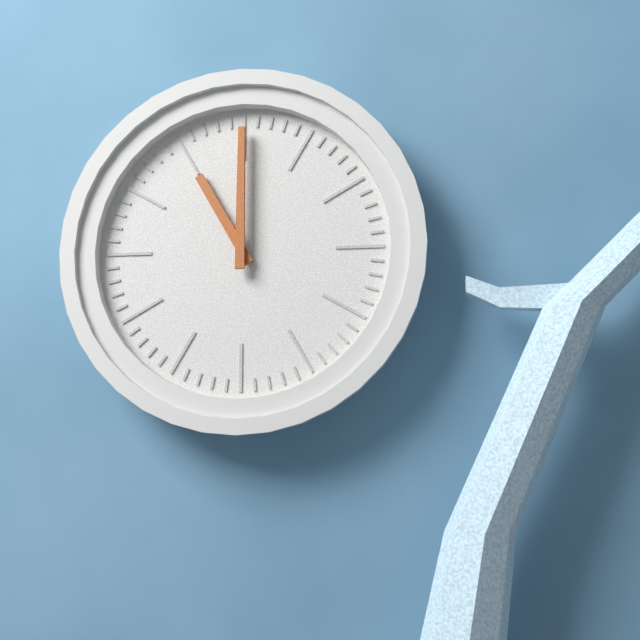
11h00
